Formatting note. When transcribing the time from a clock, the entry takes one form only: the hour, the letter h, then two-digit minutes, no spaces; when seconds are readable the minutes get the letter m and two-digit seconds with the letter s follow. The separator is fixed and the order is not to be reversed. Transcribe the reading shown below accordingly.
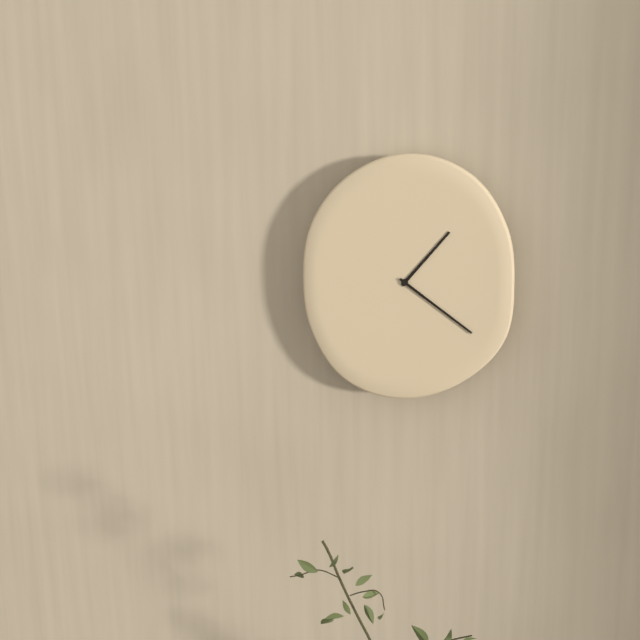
1h21
